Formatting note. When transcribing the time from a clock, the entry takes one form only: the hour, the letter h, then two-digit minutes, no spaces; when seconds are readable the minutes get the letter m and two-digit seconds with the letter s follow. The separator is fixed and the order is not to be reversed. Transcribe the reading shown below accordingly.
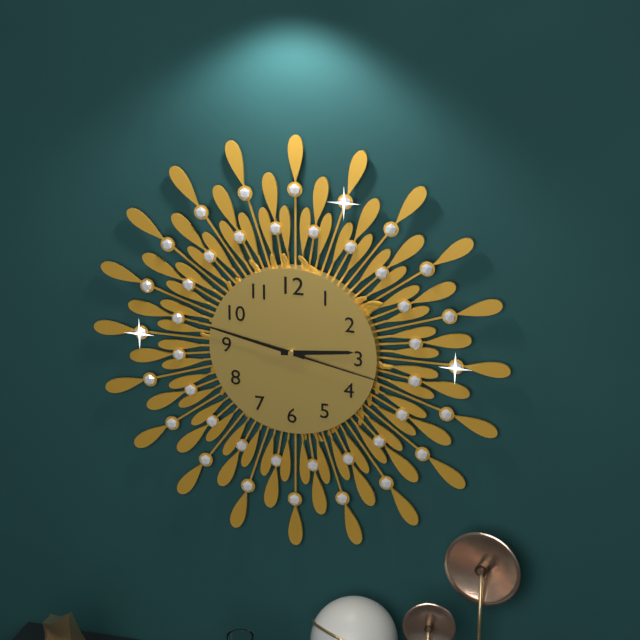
2h47m17s
